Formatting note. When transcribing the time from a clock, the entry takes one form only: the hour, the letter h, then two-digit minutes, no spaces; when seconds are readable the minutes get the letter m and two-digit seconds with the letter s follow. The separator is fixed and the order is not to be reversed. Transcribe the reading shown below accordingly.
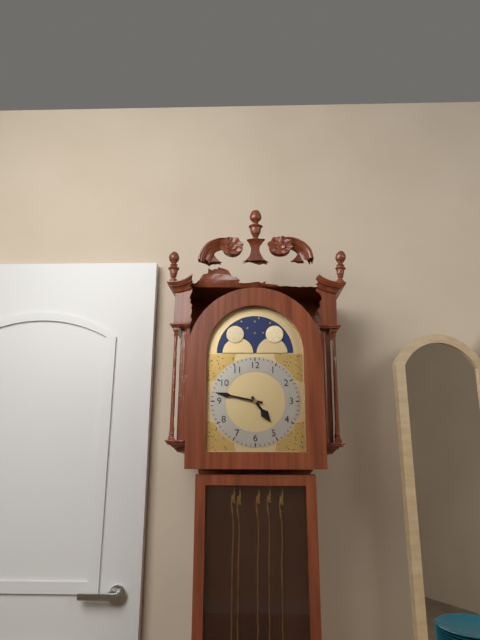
4h47
